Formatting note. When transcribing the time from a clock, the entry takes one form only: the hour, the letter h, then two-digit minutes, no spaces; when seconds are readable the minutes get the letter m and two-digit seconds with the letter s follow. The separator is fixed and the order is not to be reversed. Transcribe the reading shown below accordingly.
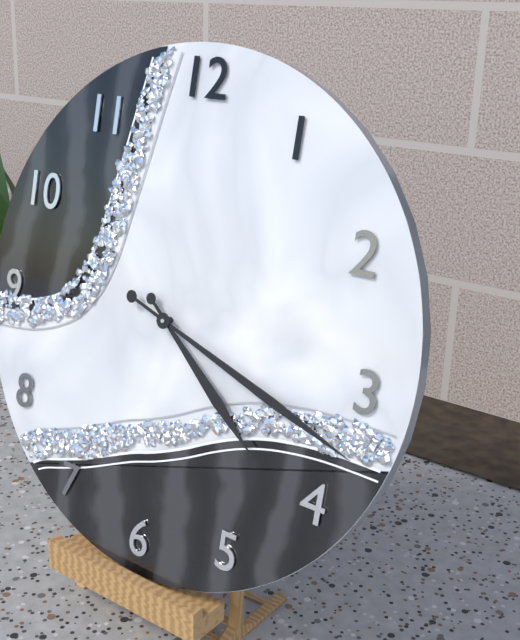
4h18
